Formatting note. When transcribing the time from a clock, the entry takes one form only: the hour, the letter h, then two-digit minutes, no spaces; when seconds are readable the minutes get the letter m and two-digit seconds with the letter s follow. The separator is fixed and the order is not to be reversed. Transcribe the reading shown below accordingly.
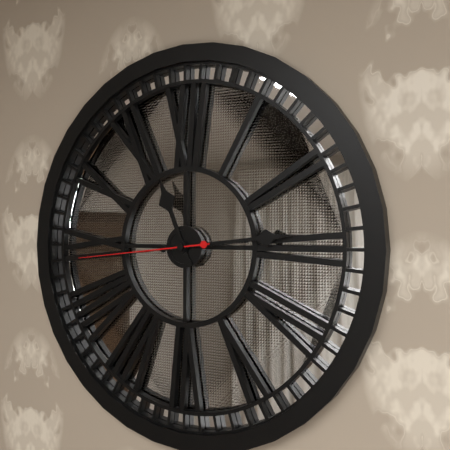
11h14m44s
